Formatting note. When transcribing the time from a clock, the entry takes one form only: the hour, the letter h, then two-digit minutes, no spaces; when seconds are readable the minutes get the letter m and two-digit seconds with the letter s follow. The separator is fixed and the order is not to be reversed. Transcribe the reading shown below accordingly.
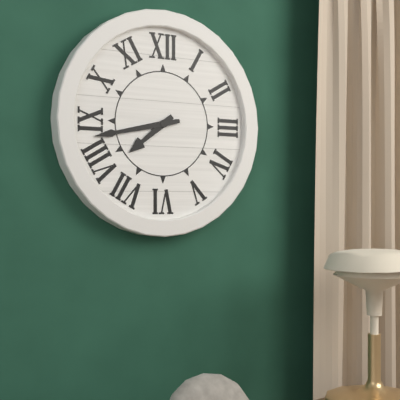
7h43
